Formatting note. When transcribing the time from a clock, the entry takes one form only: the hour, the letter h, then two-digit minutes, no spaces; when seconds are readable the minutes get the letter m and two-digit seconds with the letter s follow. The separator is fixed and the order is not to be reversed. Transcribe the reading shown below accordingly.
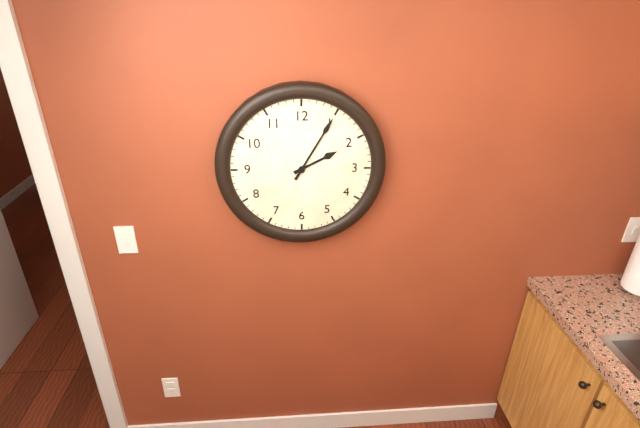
2h05
